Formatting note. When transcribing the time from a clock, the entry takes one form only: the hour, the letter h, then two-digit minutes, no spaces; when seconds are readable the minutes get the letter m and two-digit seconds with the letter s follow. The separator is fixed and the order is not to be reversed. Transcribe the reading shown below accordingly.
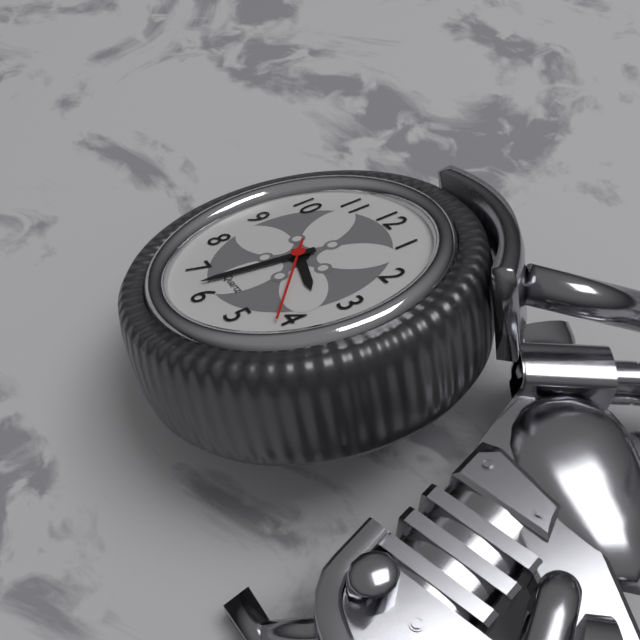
3h32m21s
